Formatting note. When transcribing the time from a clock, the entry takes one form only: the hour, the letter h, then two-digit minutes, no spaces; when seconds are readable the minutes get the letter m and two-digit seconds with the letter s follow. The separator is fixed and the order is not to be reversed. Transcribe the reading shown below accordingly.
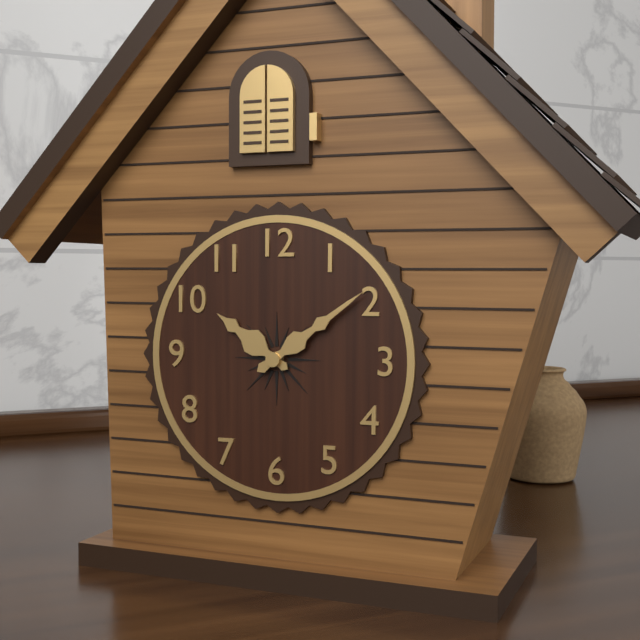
10h09
